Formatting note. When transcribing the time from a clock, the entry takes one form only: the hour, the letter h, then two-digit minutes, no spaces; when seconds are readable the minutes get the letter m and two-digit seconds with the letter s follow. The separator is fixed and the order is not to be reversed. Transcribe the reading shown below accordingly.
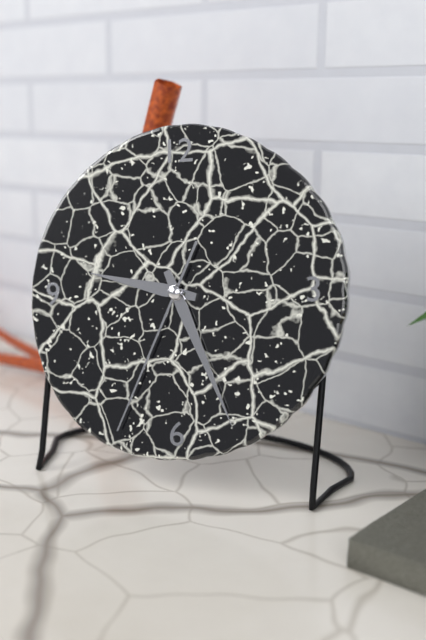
9h26m34s
